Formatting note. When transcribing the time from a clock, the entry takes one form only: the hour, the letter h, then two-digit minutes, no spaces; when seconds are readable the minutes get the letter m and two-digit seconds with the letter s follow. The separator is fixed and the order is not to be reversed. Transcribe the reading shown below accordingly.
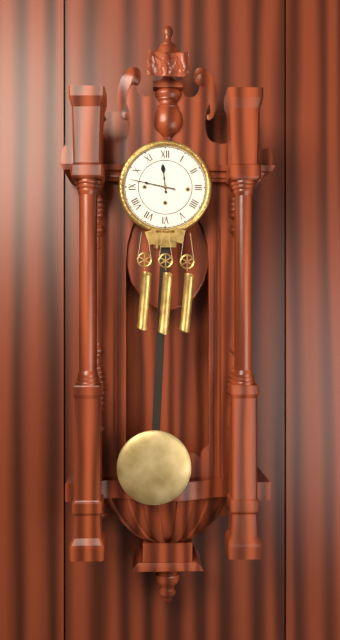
11h47
